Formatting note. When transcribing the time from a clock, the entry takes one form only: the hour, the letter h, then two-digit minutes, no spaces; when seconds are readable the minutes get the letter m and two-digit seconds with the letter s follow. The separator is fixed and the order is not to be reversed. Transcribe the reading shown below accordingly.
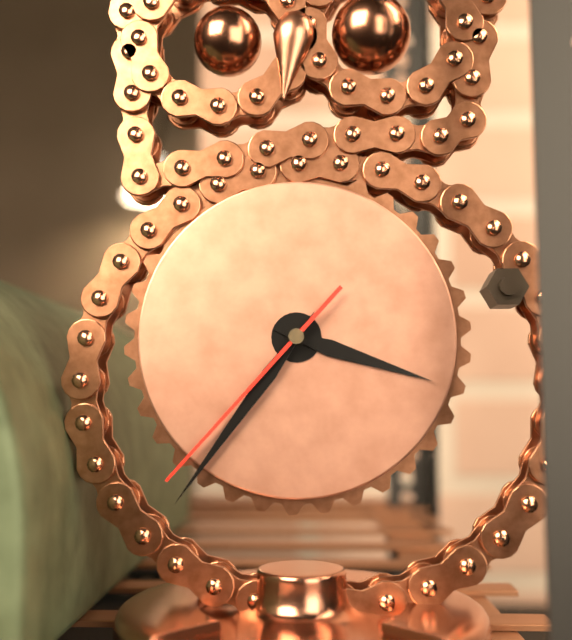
3h36m37s
